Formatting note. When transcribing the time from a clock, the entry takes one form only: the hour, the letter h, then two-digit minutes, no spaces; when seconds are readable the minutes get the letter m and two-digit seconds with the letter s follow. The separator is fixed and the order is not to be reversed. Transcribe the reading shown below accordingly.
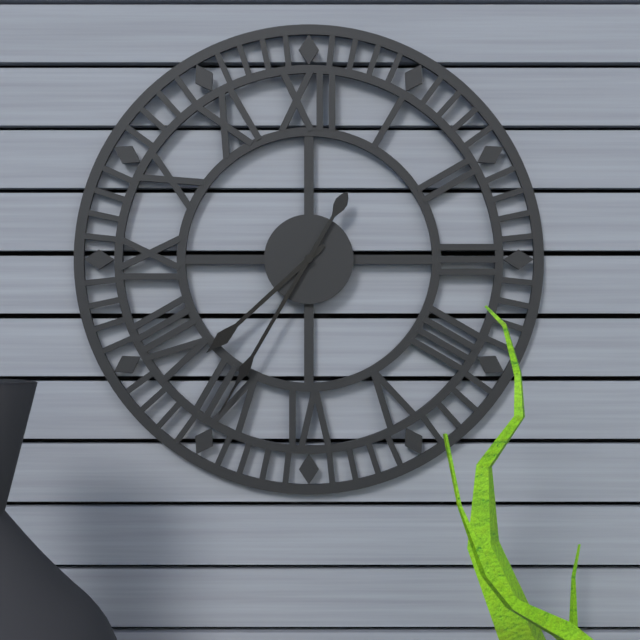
7h35
